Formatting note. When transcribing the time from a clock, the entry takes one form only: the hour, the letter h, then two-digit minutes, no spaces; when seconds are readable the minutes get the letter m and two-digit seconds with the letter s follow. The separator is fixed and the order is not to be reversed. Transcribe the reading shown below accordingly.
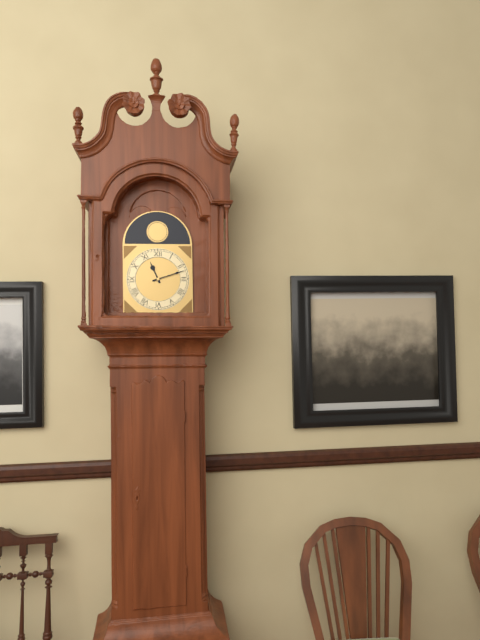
11h12
